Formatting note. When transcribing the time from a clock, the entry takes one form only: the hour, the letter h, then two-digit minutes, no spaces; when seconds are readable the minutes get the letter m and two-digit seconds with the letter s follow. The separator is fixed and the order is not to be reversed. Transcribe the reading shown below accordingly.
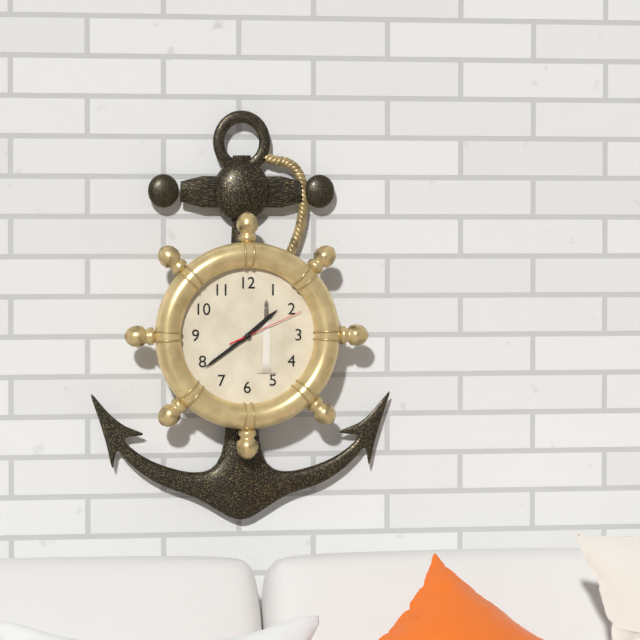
1h39m11s
